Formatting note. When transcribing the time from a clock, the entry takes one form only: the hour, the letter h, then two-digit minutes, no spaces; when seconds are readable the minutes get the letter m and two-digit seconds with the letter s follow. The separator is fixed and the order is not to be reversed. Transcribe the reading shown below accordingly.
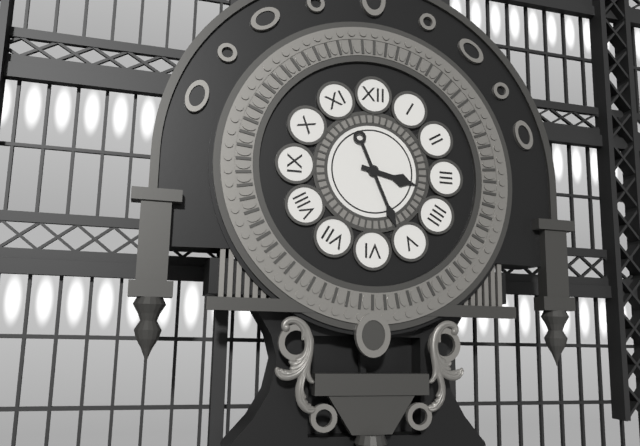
3h26
